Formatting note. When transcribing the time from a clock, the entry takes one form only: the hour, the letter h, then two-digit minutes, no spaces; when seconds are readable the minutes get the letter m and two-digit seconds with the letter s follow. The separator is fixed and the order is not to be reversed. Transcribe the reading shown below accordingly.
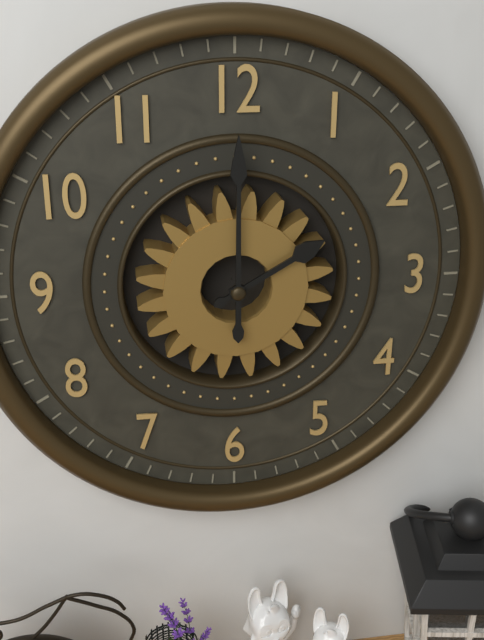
2h00
